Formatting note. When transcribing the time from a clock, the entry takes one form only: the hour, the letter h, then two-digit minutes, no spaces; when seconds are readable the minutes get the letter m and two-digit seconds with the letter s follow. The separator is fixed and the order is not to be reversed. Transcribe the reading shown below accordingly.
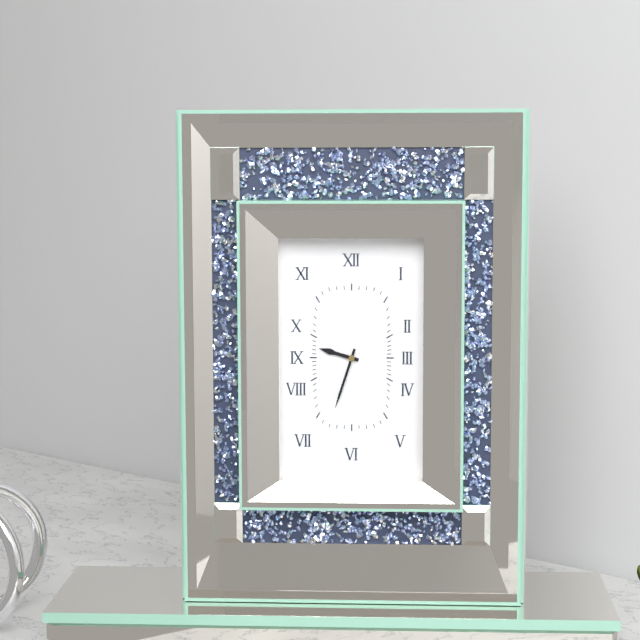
9h33
